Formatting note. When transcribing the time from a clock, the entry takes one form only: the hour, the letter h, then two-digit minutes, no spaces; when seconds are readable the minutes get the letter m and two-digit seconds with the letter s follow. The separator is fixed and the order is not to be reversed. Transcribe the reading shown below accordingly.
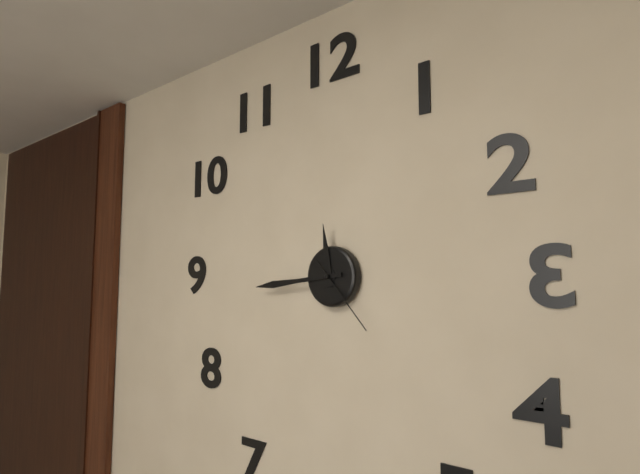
11h44m23s
